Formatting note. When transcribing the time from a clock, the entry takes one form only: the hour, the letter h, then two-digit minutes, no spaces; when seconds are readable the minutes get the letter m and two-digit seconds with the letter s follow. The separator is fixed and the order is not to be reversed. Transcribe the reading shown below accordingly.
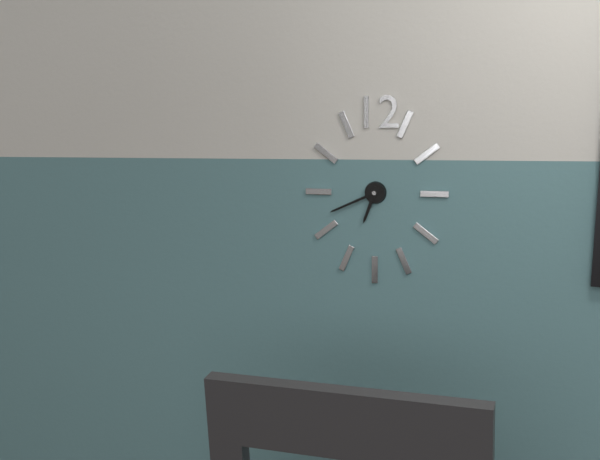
6h41
